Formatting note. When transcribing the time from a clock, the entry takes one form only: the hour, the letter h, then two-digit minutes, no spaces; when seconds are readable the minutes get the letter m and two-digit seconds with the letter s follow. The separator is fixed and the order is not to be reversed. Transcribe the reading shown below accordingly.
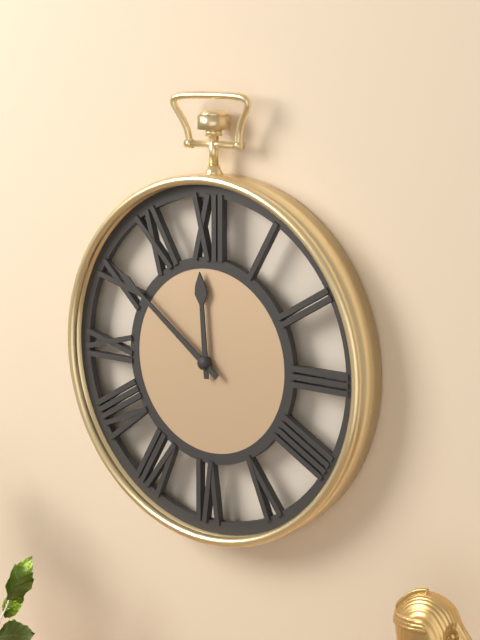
11h51
